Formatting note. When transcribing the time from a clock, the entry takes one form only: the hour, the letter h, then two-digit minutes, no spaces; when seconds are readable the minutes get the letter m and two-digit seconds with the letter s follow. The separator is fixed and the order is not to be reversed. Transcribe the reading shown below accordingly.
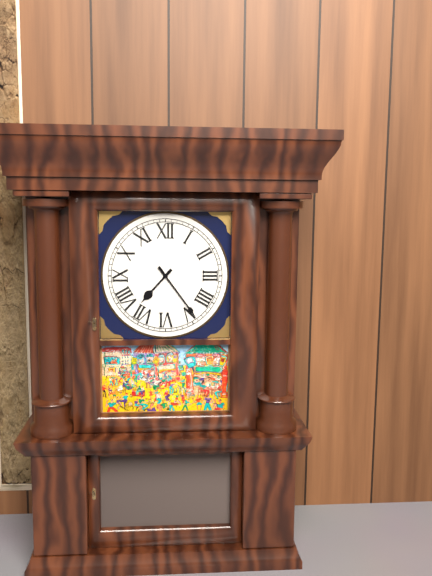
7h24
